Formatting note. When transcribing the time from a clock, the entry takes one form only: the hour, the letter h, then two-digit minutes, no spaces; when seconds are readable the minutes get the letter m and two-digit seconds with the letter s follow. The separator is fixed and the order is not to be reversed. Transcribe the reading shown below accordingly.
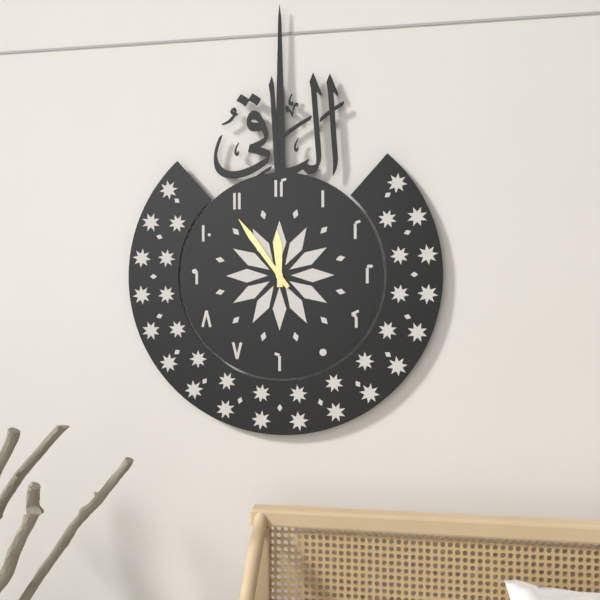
11h54
